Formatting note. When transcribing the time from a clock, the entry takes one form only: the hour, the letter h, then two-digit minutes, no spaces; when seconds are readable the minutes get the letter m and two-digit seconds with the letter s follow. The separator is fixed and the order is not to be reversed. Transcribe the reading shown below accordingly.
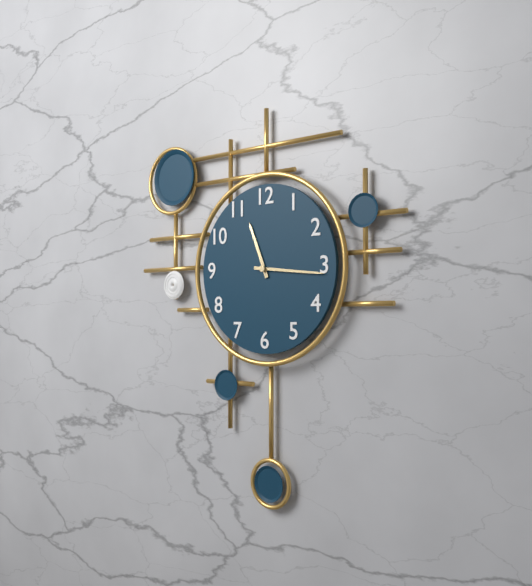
11h16
